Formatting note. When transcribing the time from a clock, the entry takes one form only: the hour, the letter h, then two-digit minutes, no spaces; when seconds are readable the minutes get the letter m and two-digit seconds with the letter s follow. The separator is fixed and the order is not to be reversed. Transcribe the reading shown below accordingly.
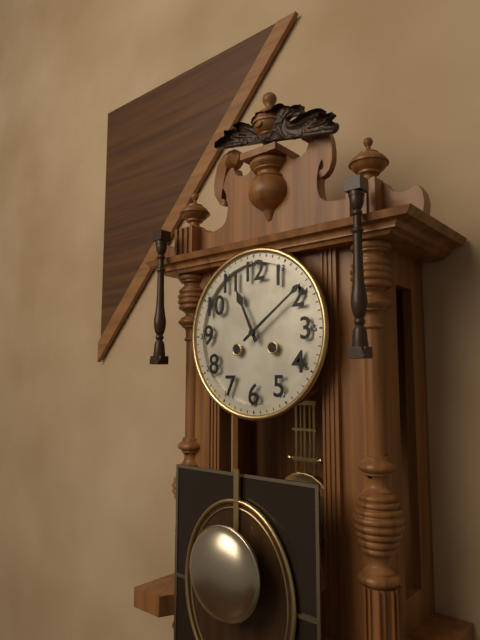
11h09
